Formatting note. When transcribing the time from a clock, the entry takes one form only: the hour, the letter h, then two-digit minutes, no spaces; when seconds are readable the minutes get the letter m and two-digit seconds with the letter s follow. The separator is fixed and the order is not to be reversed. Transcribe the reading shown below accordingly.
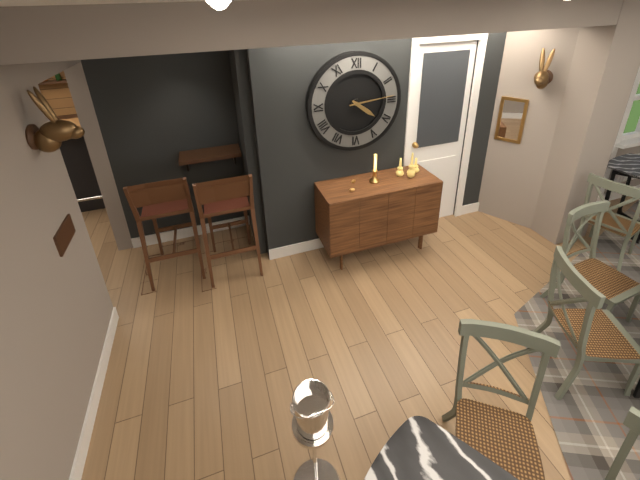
4h14
